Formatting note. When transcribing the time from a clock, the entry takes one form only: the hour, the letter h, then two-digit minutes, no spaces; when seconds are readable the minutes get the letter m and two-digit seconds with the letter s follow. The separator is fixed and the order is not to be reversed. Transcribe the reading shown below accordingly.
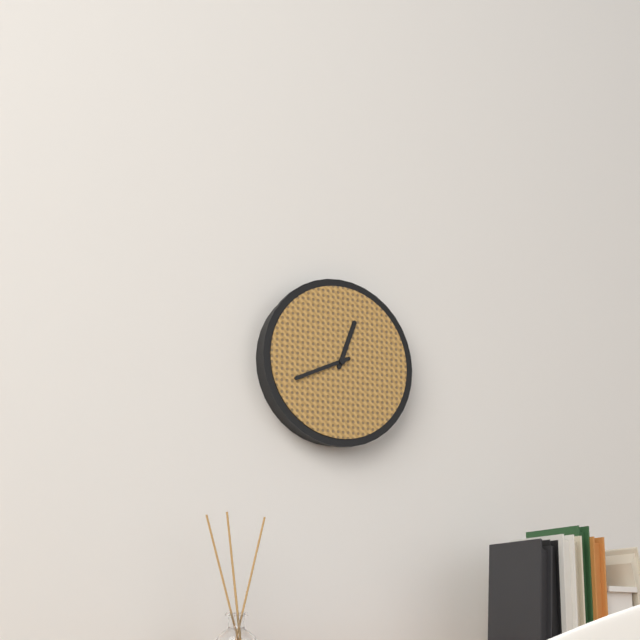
12h41
